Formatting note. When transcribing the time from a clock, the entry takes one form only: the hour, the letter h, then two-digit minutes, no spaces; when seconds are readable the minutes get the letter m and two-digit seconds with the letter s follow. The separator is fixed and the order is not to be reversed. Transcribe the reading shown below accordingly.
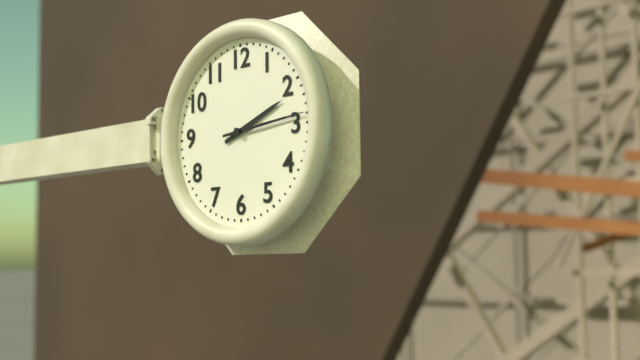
2h14
